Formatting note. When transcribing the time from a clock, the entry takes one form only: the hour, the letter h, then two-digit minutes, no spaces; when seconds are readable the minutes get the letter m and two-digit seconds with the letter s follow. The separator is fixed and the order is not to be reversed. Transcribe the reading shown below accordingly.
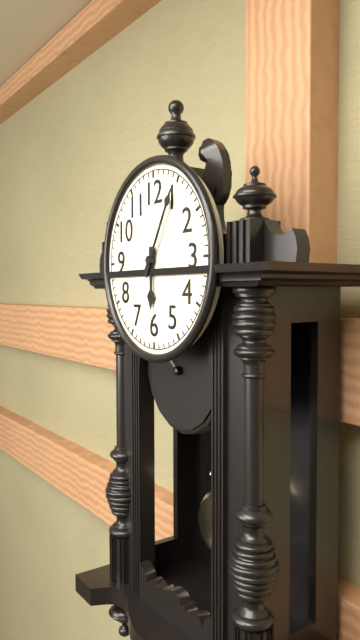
6h05
